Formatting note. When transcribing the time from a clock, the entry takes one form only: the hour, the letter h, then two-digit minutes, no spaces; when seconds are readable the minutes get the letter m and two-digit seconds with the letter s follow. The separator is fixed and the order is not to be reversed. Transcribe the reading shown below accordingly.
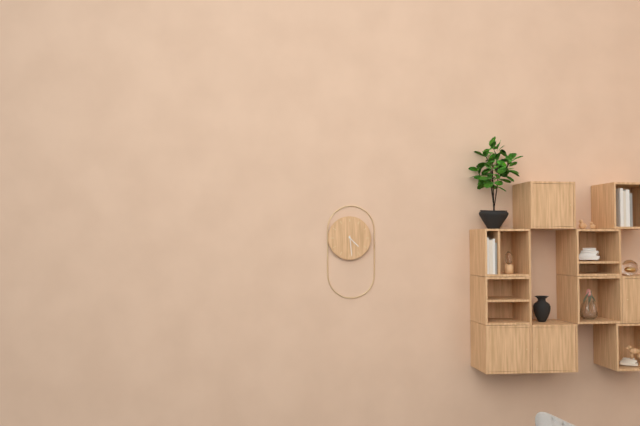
4h29
